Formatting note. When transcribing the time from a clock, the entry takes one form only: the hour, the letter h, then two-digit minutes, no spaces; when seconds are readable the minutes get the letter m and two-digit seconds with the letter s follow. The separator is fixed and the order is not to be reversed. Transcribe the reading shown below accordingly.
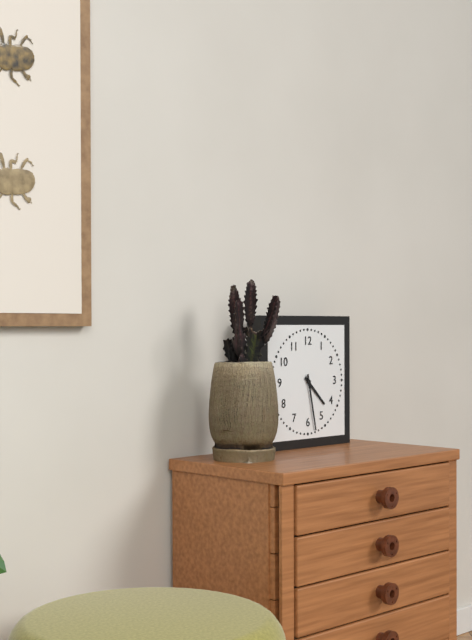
4h28
